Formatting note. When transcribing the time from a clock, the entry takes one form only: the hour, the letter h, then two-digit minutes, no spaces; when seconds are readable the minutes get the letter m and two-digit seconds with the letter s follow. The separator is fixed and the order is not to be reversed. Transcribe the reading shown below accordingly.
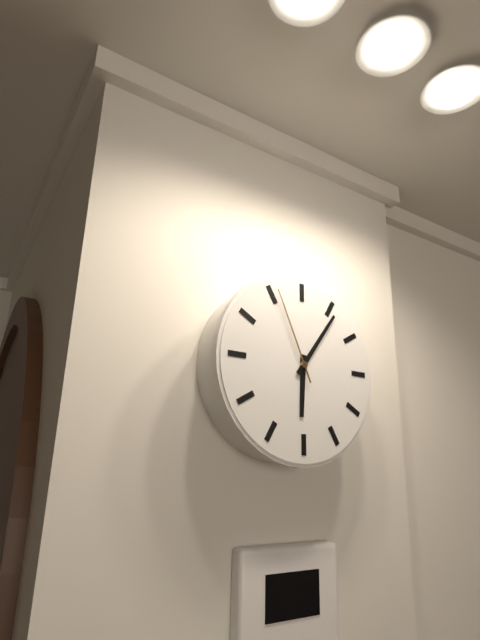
6h06m56s
